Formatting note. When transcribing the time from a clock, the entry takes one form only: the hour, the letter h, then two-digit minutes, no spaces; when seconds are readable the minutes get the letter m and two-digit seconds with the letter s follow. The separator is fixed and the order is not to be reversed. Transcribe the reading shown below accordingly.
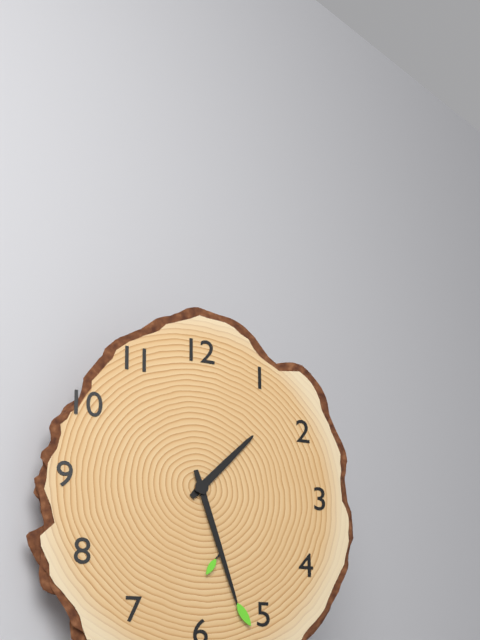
1h27
